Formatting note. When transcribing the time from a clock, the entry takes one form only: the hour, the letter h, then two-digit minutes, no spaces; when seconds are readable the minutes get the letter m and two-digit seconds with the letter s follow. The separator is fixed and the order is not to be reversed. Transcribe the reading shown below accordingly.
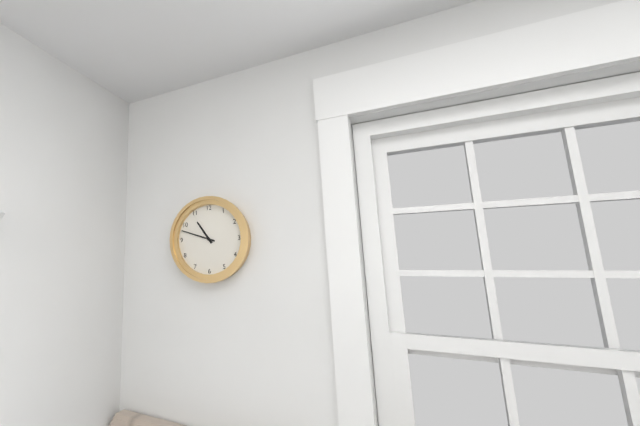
10h48
